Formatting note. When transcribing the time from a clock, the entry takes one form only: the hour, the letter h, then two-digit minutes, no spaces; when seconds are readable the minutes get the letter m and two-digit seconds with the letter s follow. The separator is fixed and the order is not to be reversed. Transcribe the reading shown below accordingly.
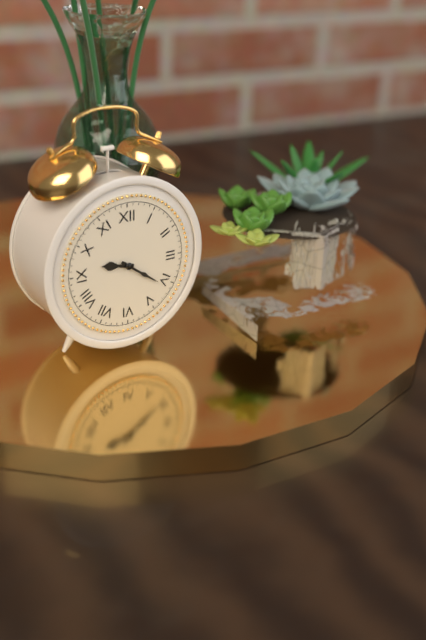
9h21
